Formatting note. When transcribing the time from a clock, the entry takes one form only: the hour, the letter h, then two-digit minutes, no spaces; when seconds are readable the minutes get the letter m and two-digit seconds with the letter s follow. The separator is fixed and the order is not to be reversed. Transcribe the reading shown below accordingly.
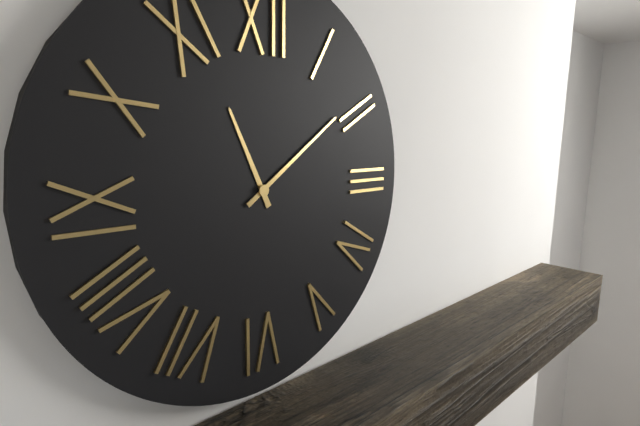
11h09
